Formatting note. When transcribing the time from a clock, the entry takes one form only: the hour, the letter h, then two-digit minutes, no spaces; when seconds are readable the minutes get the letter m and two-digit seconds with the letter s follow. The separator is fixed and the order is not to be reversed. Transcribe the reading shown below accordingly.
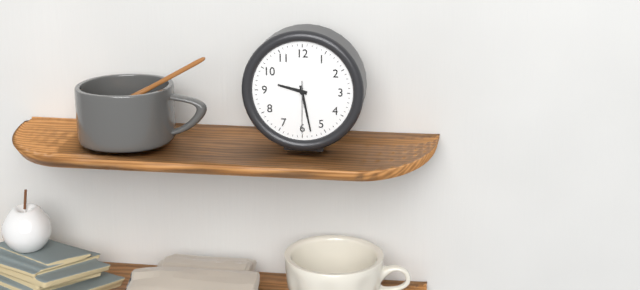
9h28m30s
